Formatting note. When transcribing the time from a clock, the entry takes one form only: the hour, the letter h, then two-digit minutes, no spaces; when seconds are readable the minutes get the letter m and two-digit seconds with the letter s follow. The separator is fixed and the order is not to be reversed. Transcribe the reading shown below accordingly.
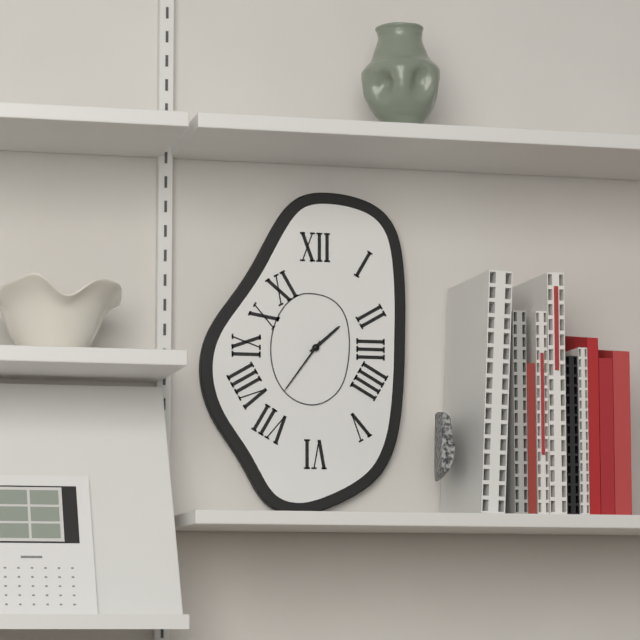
1h36
